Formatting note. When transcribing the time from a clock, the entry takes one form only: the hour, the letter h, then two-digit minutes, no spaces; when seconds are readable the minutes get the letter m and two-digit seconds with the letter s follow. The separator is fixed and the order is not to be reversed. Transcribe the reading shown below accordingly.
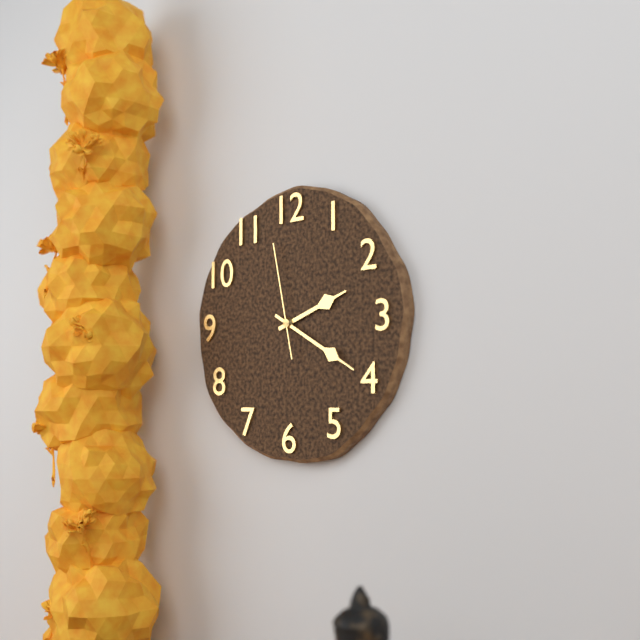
2h20m58s
